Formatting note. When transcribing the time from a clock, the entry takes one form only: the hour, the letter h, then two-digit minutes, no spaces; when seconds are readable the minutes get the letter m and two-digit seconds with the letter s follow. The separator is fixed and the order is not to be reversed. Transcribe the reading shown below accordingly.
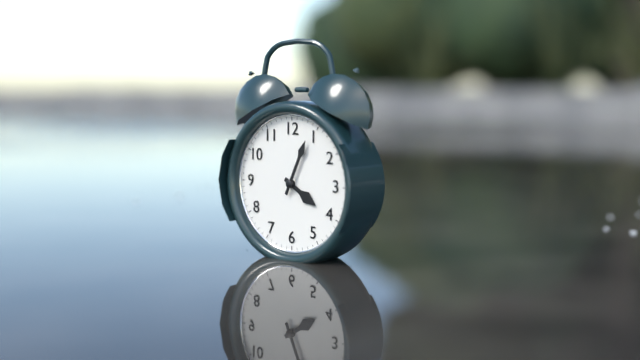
4h04
